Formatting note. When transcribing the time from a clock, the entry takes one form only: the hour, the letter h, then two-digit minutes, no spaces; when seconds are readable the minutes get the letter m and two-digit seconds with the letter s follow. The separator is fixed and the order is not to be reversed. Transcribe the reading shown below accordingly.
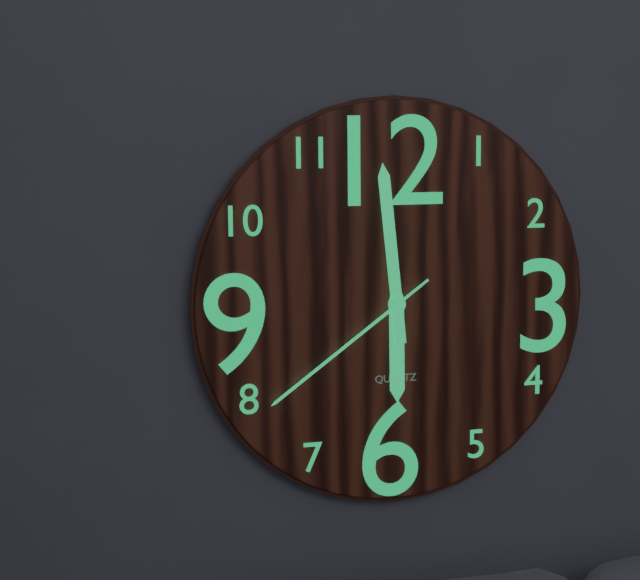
5h59m39s
